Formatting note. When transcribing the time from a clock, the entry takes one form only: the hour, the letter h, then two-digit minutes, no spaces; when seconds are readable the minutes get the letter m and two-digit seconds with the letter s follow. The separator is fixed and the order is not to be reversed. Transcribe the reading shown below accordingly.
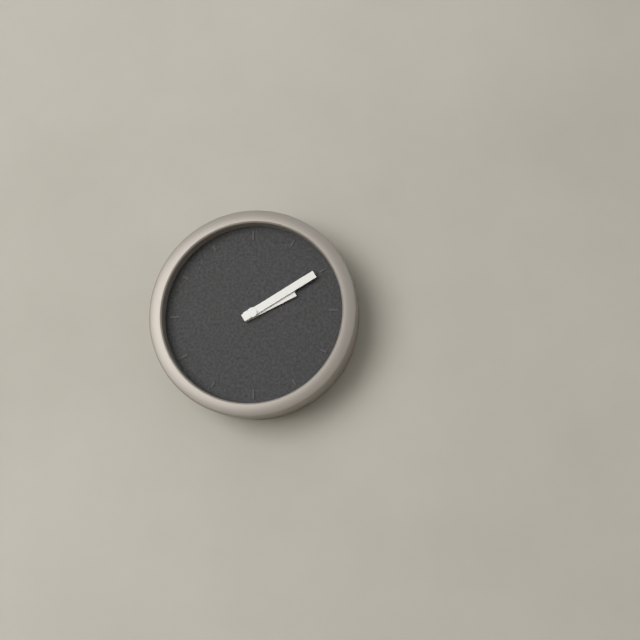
2h10
